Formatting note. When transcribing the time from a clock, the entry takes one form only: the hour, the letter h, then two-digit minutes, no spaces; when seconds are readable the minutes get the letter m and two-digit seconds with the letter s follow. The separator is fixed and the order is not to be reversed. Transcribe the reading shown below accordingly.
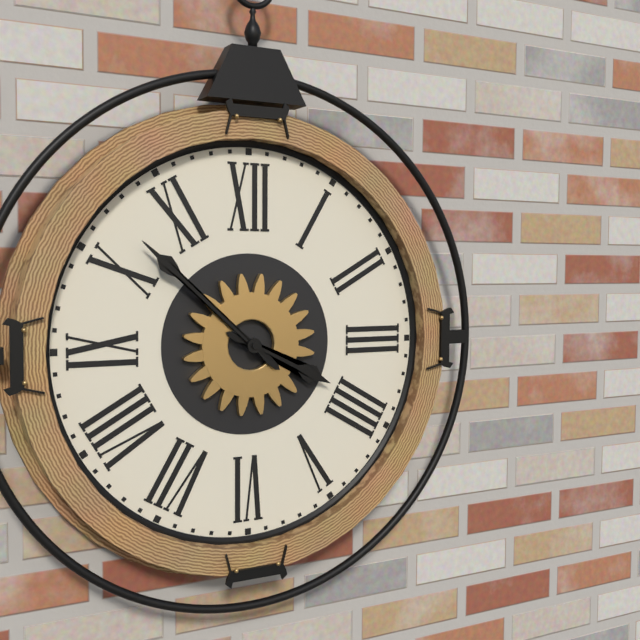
3h52
